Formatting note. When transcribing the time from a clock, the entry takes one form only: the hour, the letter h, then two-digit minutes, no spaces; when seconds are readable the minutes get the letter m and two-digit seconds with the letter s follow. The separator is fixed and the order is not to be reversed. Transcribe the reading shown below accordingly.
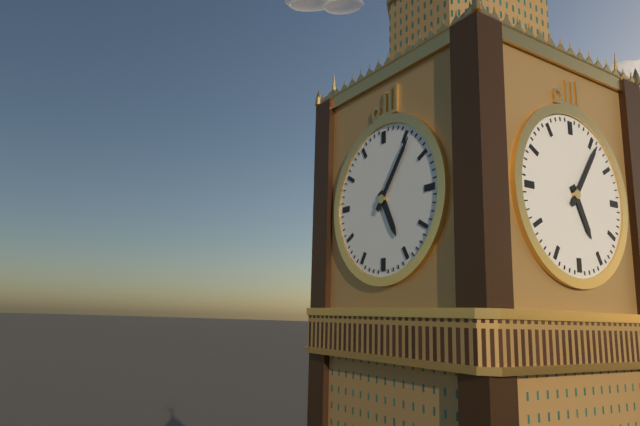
5h06
